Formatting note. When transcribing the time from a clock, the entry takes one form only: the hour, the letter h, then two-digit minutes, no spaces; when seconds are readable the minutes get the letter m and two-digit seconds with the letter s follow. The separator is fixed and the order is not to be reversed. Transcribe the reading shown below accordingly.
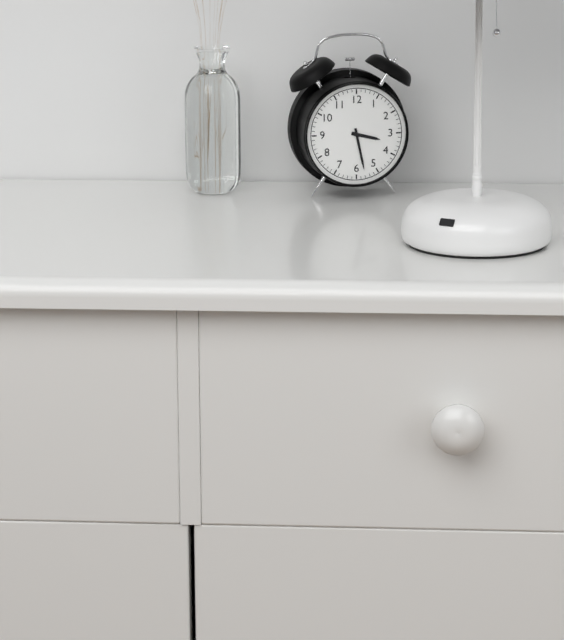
3h28
